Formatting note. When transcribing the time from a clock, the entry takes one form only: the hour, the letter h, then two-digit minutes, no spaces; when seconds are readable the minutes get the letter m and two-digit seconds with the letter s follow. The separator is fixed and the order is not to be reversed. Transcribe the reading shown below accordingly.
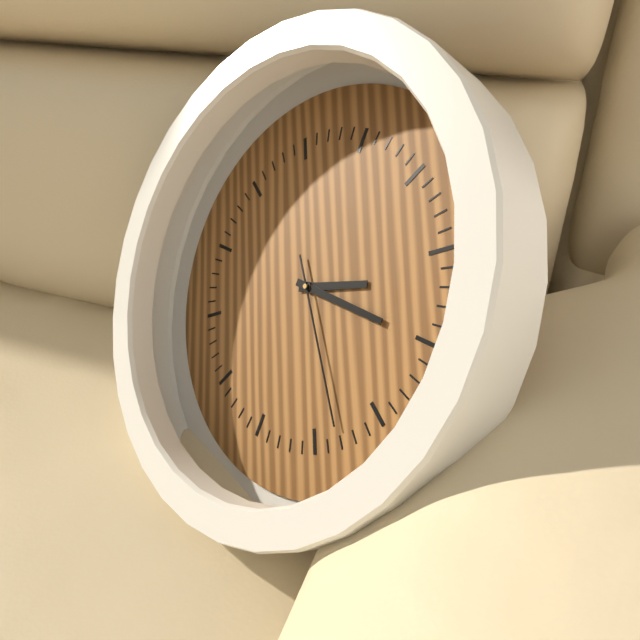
3h20m28s
